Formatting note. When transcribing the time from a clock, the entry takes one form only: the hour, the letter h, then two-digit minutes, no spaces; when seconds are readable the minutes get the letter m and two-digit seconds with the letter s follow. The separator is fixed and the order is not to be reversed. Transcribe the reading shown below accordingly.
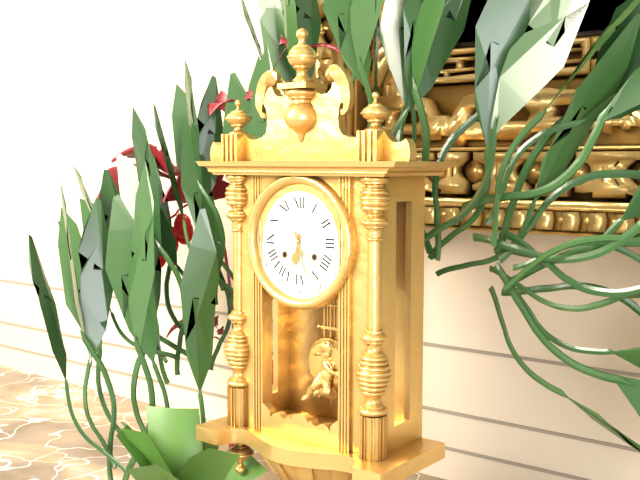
6h27
